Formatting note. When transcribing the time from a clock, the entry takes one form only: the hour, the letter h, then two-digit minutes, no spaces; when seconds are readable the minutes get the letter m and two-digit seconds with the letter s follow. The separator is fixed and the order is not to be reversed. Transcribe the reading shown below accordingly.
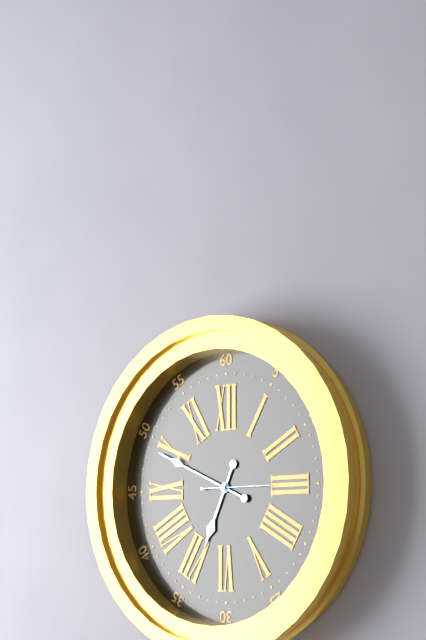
6h49m15s
